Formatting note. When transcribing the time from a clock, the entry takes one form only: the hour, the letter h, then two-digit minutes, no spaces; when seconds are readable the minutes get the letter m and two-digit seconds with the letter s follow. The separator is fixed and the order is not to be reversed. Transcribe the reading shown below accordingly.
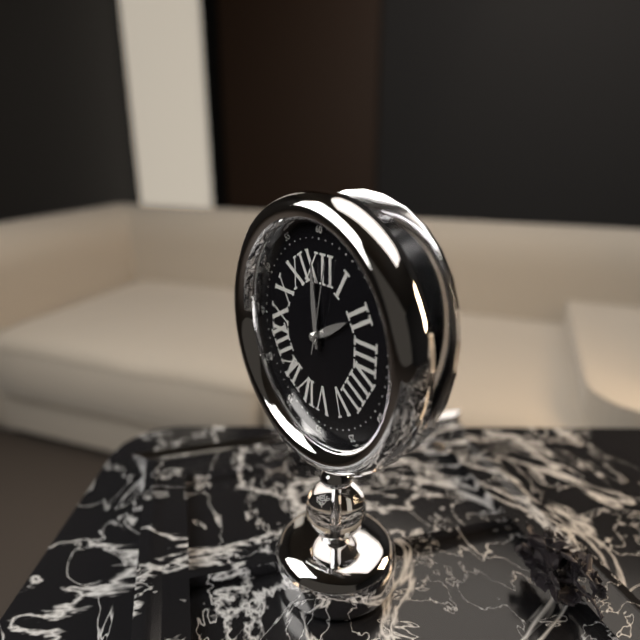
1h59m02s
